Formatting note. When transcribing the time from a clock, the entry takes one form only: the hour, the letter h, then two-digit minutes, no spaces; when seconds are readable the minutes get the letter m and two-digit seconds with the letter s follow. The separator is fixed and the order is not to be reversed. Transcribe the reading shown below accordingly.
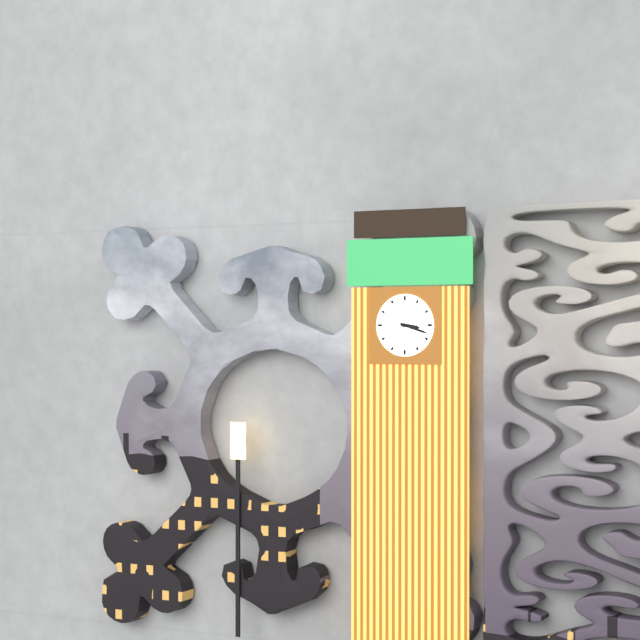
3h18
